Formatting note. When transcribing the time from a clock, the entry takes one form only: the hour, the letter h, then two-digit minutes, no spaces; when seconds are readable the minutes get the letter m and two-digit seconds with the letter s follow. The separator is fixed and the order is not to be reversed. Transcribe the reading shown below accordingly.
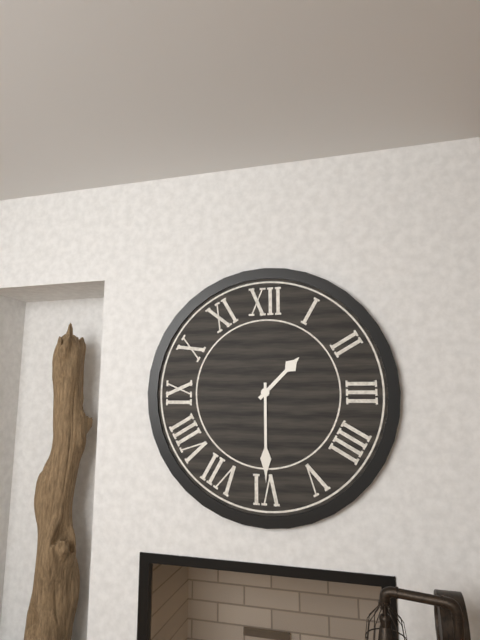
1h30
